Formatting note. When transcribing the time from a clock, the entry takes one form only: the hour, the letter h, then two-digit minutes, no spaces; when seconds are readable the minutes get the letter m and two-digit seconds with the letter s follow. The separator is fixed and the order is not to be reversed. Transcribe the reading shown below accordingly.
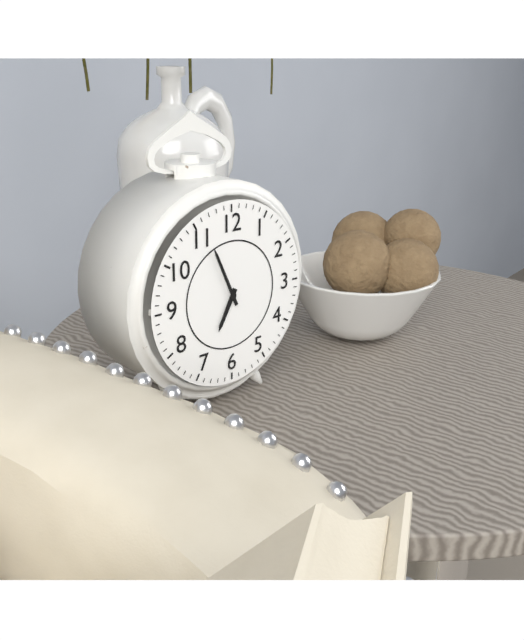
6h56
